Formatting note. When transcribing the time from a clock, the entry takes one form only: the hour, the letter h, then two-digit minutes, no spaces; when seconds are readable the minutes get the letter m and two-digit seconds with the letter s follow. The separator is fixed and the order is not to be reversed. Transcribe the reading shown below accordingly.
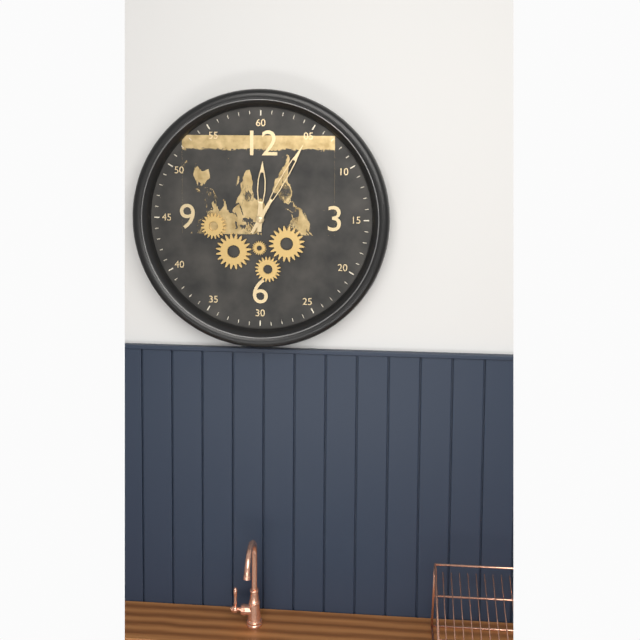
12h05
